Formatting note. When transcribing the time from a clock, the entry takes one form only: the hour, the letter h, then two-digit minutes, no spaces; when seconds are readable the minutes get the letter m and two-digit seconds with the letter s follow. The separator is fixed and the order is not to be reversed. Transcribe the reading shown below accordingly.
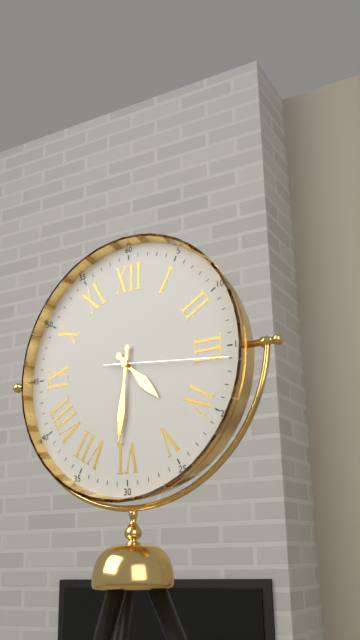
4h31m16s
